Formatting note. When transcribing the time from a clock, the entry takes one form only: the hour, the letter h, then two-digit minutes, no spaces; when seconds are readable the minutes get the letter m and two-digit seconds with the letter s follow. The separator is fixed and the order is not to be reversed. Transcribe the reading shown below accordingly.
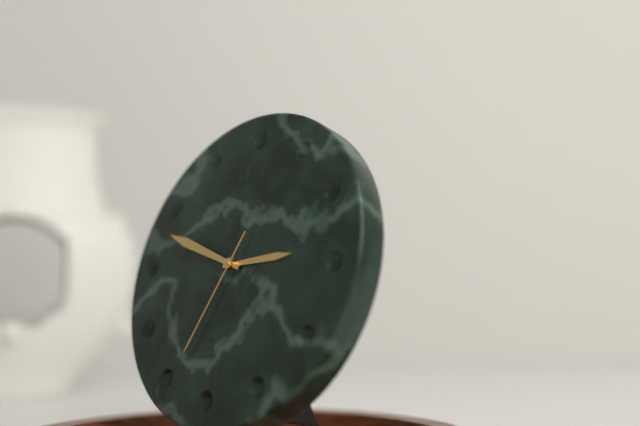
2h48m34s
